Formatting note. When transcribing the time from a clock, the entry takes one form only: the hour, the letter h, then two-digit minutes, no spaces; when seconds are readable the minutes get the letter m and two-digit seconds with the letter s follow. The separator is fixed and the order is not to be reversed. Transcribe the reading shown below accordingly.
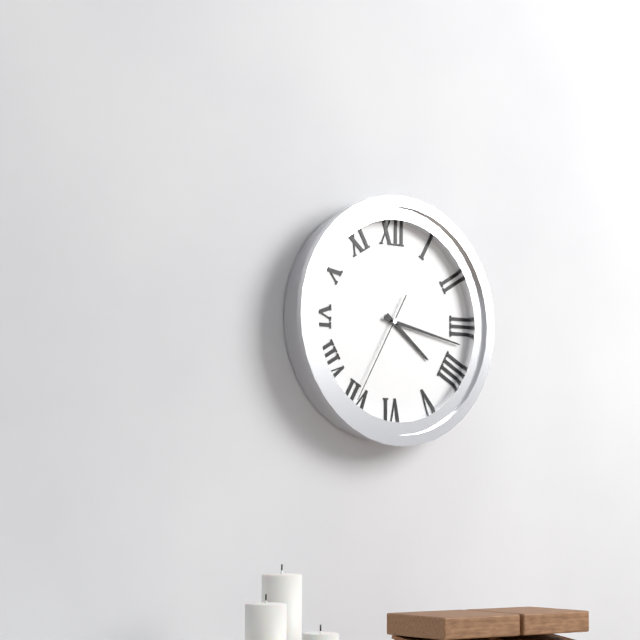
4h17m35s
